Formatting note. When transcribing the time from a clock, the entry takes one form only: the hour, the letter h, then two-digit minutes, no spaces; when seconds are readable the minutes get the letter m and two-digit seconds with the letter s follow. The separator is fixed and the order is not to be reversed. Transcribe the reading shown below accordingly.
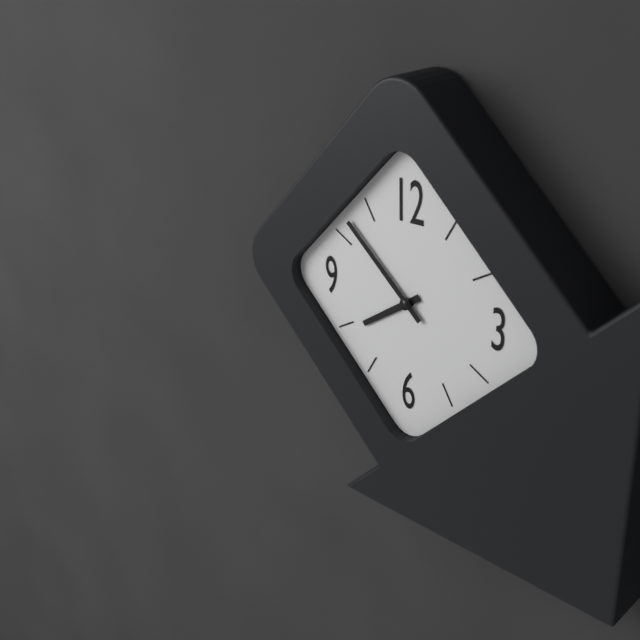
7h52
